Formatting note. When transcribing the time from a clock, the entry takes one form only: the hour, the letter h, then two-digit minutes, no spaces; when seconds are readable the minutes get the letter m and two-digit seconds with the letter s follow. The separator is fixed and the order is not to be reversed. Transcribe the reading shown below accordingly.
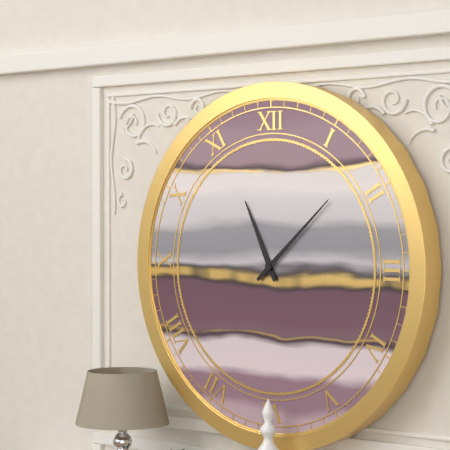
11h08
